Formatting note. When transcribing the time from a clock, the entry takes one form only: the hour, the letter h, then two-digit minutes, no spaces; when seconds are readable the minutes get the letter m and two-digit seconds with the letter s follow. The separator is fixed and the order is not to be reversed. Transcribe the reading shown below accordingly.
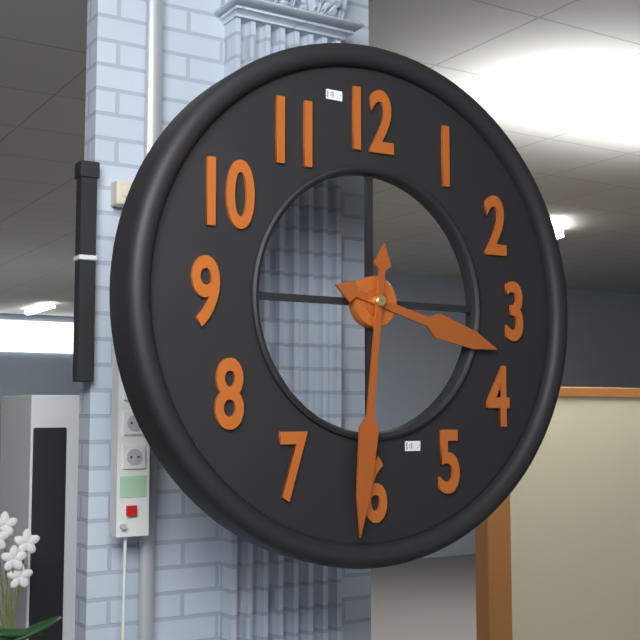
3h31
